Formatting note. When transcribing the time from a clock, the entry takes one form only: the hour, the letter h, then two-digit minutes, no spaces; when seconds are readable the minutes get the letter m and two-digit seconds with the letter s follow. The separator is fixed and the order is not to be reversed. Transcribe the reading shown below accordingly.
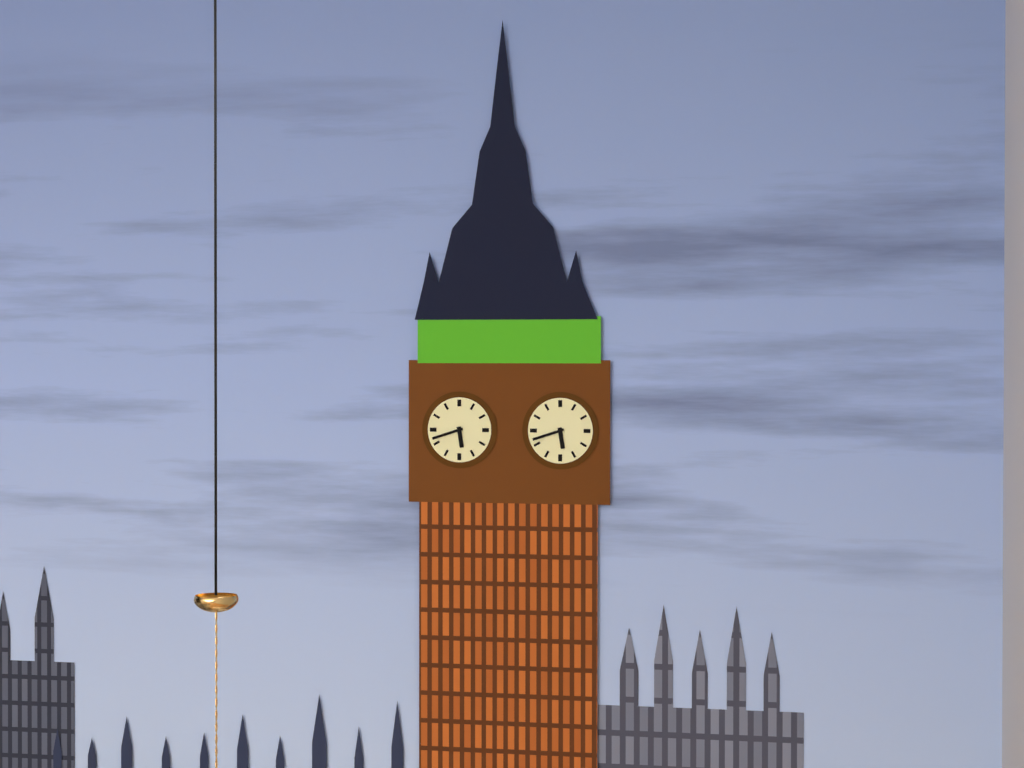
5h42
